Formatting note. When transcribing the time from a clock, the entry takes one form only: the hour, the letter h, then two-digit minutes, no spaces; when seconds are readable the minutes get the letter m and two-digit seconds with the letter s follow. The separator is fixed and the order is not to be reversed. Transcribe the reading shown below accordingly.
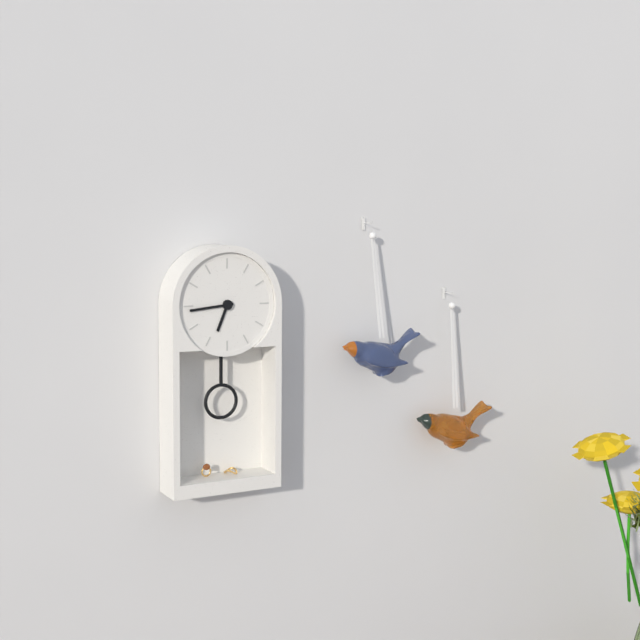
6h44
